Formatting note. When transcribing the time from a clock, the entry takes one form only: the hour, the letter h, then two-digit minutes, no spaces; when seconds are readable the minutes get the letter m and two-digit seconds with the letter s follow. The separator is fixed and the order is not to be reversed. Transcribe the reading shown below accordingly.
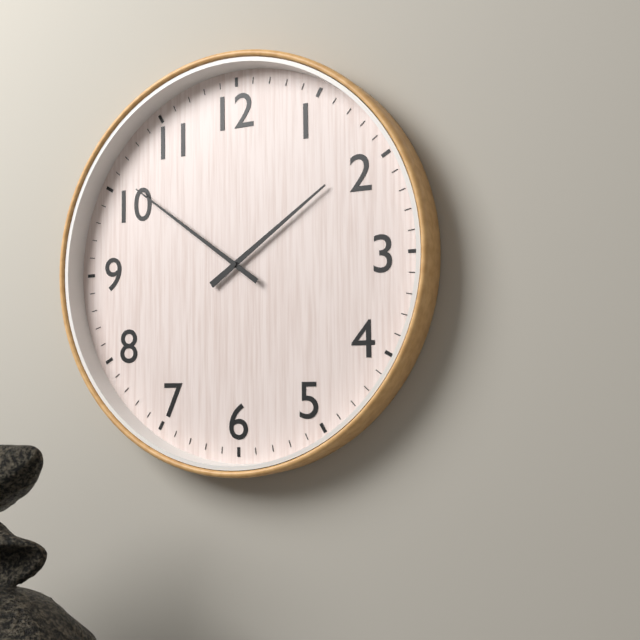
1h51
